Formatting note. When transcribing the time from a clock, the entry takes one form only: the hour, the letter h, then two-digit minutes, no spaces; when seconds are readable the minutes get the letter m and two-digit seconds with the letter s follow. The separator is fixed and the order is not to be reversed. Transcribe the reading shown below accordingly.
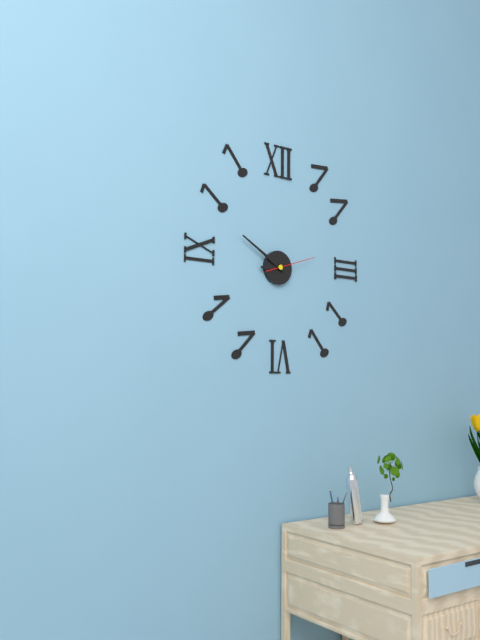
8h50
